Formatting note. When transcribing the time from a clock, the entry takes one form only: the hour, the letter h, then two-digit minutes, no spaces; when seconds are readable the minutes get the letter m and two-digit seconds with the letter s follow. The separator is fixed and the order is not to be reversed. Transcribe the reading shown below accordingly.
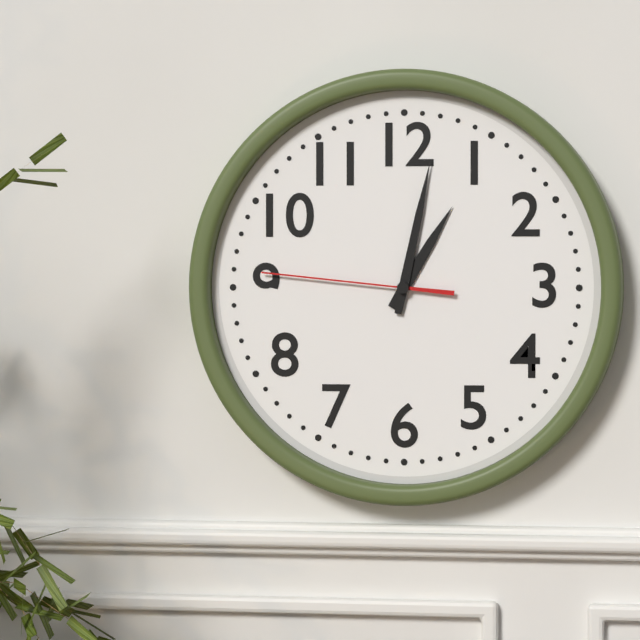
1h02m46s
